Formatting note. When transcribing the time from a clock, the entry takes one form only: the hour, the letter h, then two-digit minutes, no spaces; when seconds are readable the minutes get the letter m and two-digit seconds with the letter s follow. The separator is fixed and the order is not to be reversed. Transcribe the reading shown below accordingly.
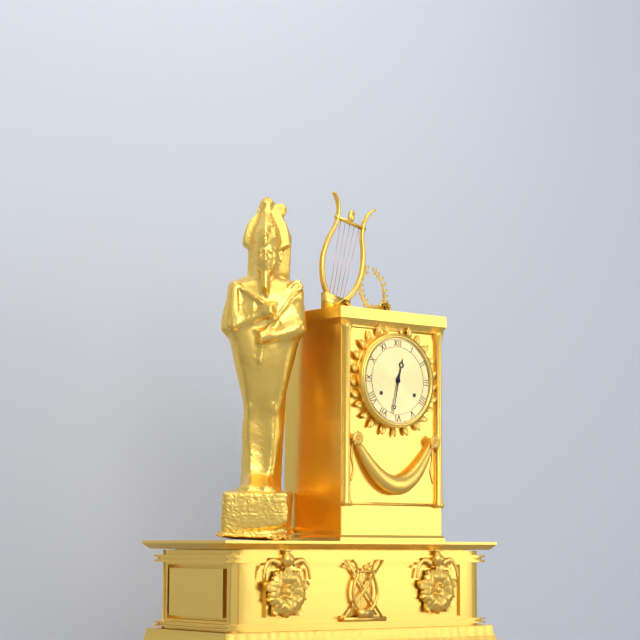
12h32
